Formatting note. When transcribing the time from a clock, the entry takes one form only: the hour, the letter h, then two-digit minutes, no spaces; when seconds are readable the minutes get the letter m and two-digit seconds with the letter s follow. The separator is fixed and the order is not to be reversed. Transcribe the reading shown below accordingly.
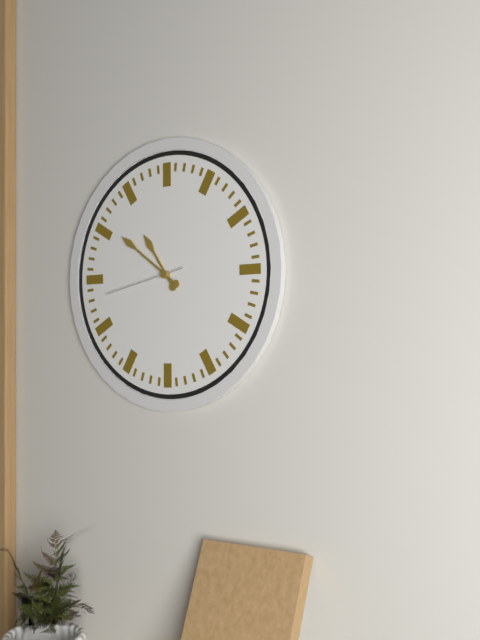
10h51m43s
